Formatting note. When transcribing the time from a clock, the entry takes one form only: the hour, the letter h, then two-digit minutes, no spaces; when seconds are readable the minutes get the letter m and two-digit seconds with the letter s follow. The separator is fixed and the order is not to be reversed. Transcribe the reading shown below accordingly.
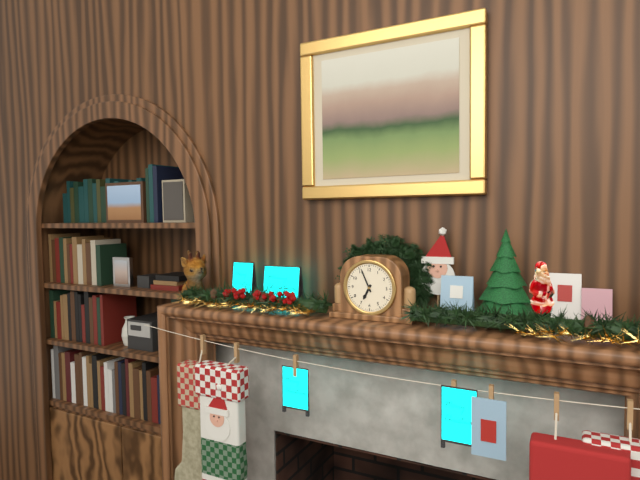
6h56
